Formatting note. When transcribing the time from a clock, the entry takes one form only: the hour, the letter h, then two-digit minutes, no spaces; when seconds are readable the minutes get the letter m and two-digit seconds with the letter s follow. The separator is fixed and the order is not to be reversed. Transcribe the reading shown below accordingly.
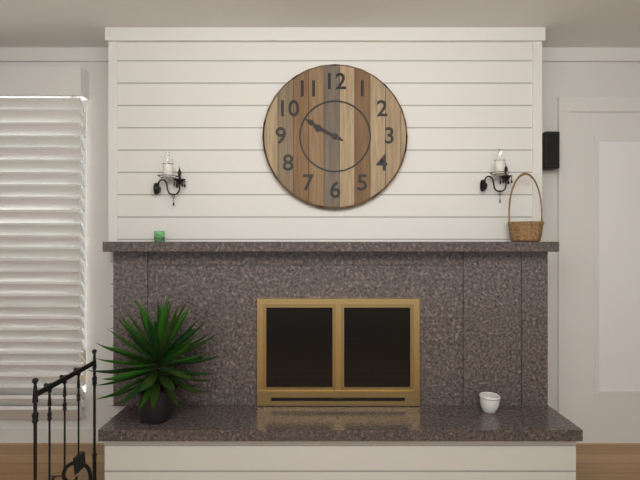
9h50
